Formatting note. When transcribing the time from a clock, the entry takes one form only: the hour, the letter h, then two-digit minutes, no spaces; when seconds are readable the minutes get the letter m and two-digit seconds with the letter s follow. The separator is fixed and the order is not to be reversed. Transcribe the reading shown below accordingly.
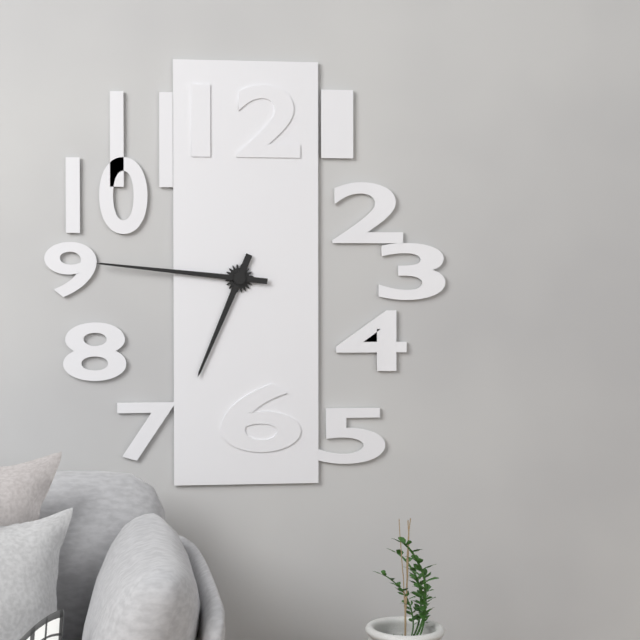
6h46
